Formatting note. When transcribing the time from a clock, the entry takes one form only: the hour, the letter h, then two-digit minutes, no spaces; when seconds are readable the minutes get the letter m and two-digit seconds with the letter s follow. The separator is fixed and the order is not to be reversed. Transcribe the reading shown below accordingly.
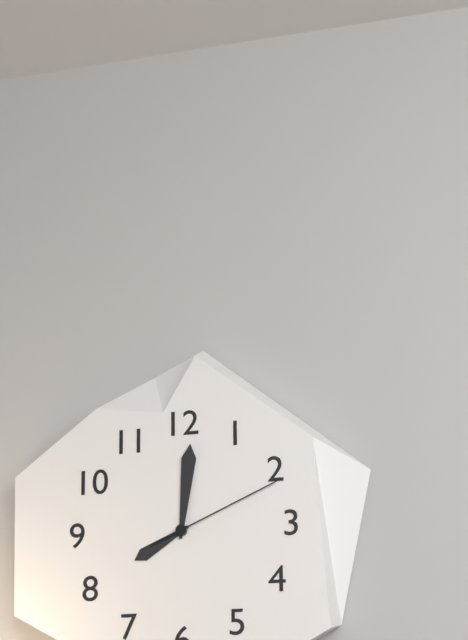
8h01m11s
